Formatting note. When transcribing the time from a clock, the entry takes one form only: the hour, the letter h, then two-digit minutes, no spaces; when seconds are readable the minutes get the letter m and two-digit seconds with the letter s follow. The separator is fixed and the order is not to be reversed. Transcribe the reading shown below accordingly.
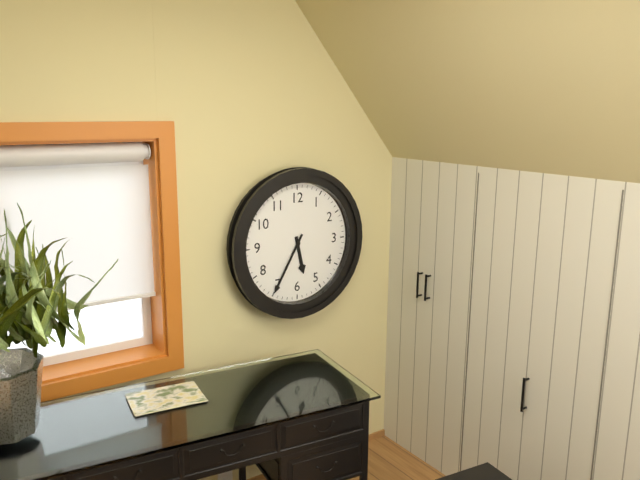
5h35
